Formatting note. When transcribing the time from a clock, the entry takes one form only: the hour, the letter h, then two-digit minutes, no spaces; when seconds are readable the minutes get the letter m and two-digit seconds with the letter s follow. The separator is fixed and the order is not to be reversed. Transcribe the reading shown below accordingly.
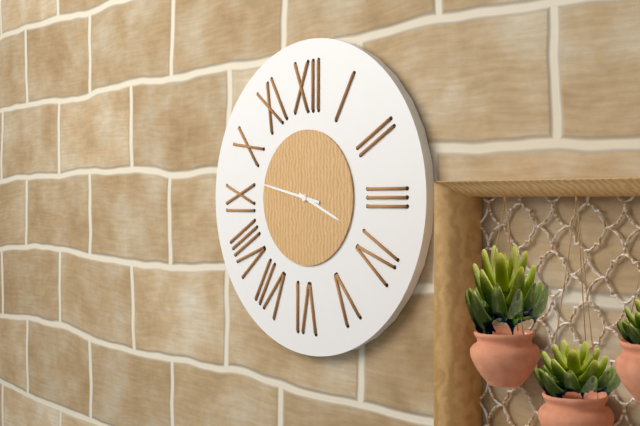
3h47
